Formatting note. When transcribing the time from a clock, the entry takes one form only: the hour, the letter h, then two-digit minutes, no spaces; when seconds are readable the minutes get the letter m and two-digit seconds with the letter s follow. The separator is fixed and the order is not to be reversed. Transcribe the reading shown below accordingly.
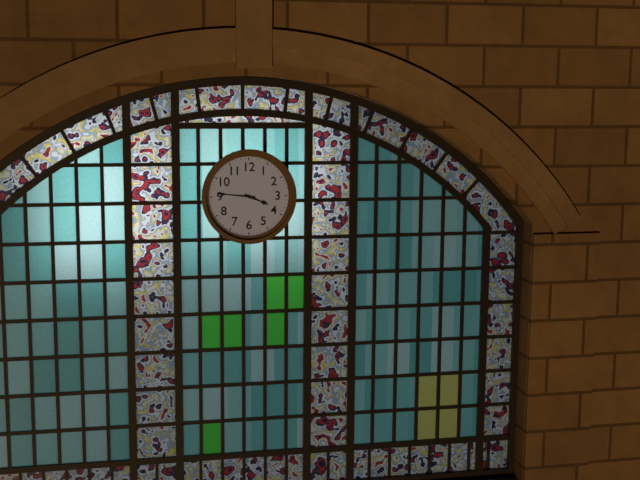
3h46
